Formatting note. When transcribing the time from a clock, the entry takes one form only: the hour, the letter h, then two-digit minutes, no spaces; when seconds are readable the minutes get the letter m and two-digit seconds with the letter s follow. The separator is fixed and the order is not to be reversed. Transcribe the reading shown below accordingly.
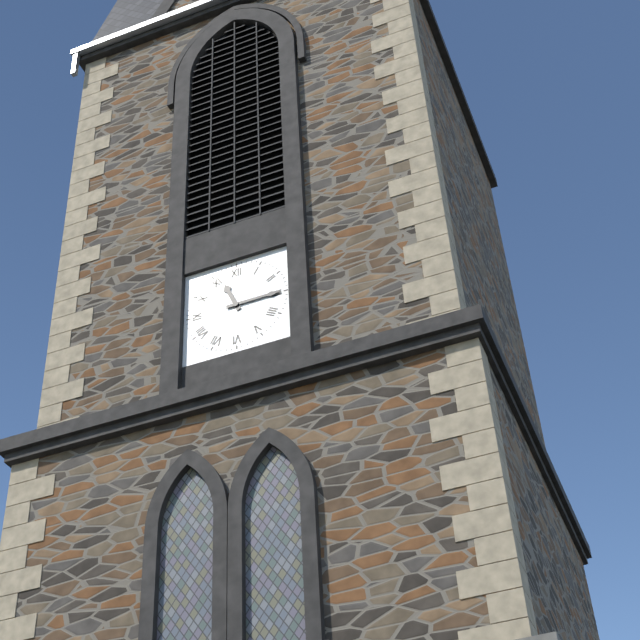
11h15
